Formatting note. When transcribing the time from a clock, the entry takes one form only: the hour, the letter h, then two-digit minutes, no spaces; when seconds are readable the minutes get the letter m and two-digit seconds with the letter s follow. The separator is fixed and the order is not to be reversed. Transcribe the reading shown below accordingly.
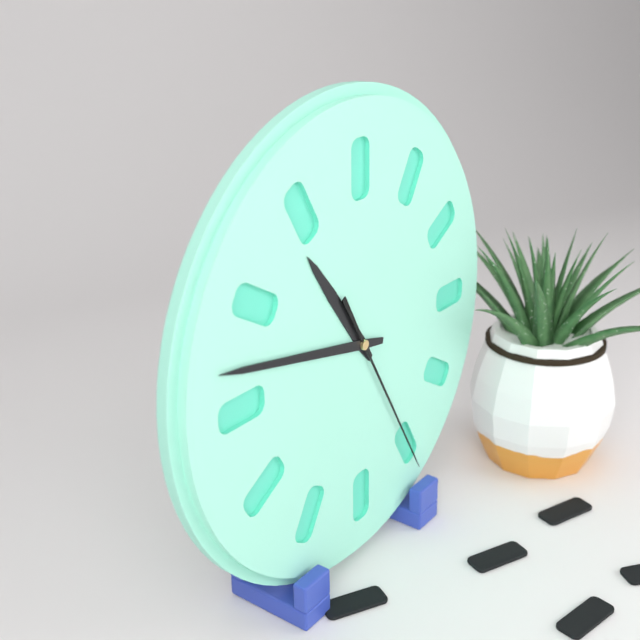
10h47m25s
